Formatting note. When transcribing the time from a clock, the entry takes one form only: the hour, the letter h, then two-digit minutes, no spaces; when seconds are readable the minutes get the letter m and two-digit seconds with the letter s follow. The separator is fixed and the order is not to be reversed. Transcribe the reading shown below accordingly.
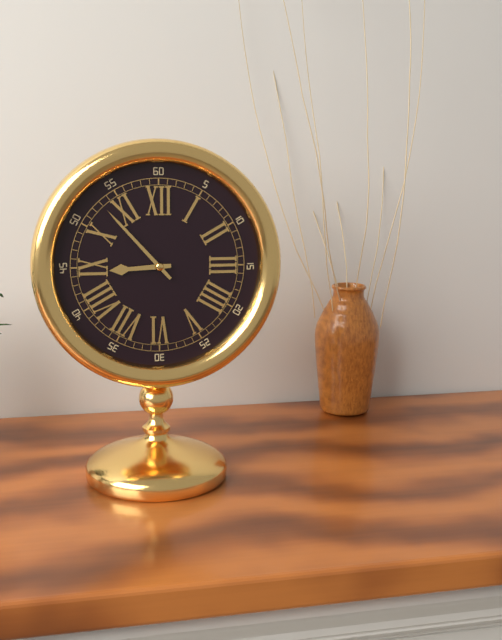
8h53
